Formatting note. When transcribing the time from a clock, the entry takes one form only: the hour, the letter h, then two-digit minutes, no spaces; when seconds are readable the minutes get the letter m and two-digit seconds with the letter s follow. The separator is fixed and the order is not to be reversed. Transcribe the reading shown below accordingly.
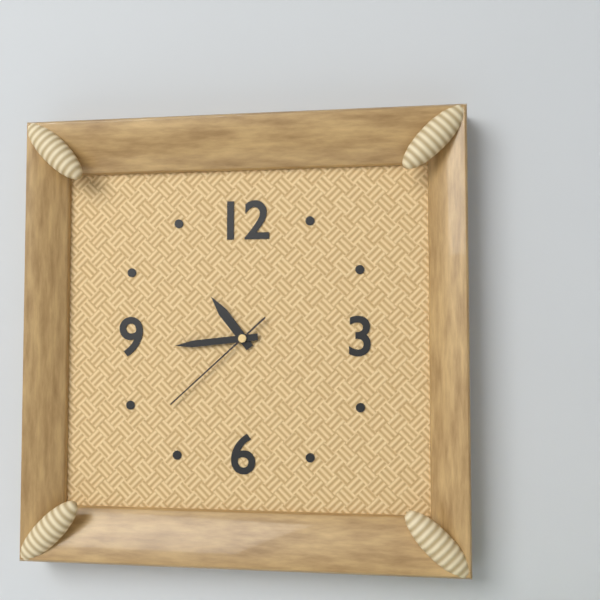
10h44m38s
